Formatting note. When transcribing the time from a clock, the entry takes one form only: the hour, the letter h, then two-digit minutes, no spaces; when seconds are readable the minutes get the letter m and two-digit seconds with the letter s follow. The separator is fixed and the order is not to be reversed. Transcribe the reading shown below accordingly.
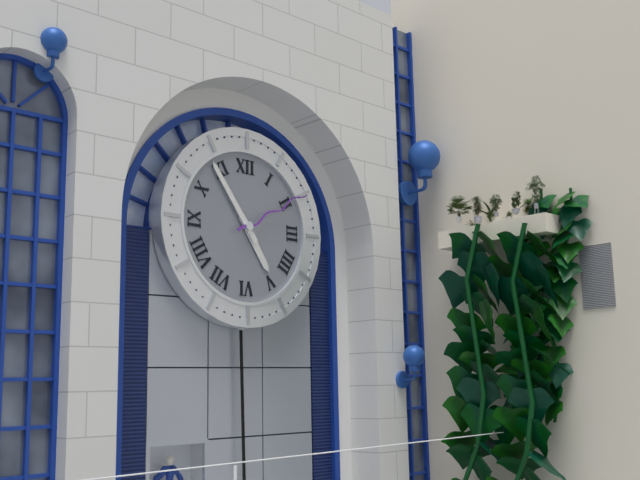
4h54m10s
